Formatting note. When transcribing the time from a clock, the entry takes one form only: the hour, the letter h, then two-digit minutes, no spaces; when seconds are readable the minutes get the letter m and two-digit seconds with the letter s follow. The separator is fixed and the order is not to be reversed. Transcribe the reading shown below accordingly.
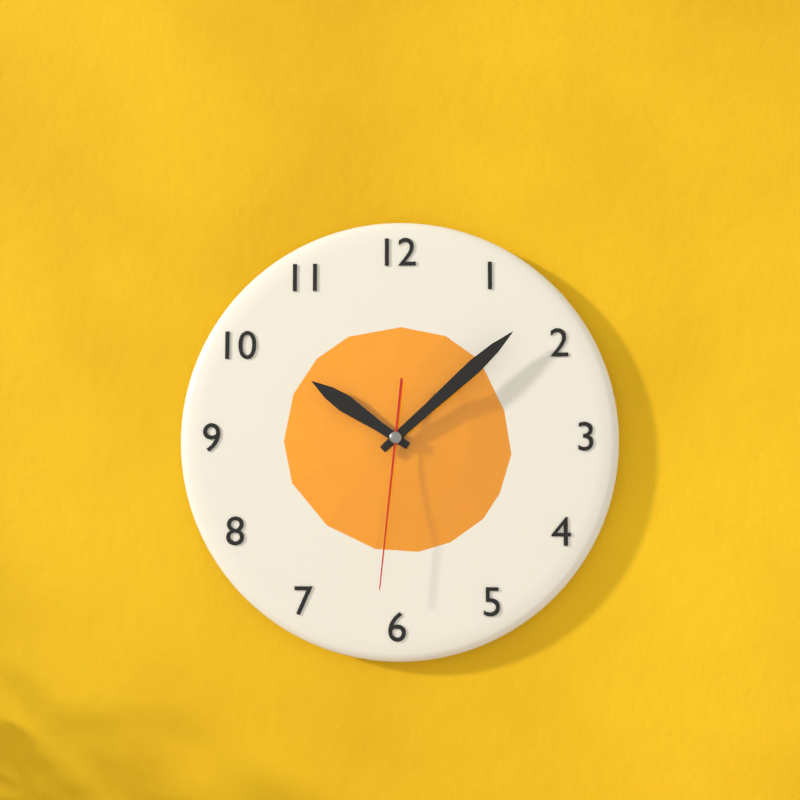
10h08m31s
